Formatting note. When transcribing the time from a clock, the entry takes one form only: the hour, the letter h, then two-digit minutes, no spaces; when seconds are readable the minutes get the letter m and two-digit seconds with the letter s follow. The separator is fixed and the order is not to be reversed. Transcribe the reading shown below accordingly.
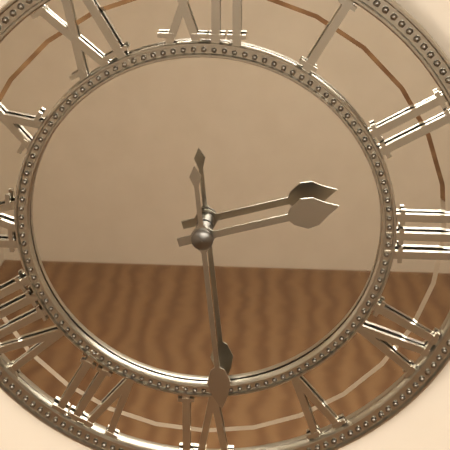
2h29
